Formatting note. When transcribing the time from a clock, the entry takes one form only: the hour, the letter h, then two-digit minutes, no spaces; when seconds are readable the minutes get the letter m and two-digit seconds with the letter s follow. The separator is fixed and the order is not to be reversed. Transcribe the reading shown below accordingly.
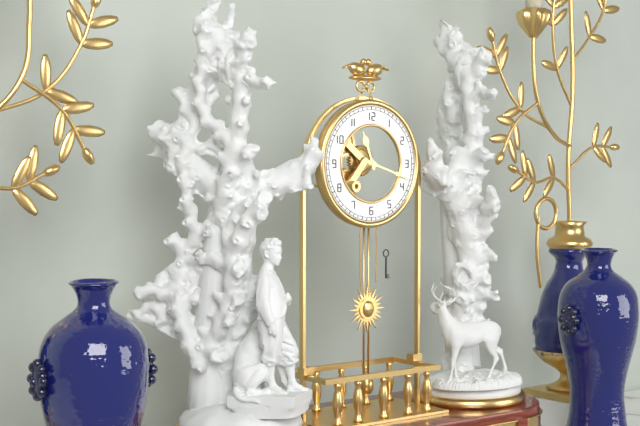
11h18
